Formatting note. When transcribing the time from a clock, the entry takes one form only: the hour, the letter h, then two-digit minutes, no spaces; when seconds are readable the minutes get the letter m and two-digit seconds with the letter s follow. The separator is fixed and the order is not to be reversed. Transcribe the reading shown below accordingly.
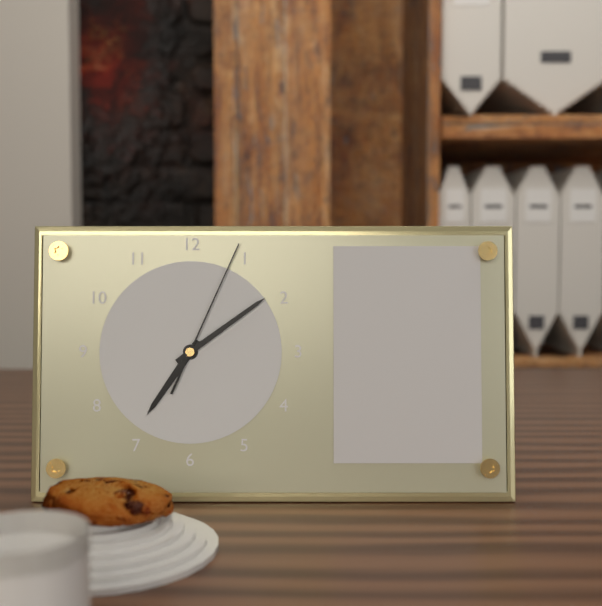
7h09m04s
